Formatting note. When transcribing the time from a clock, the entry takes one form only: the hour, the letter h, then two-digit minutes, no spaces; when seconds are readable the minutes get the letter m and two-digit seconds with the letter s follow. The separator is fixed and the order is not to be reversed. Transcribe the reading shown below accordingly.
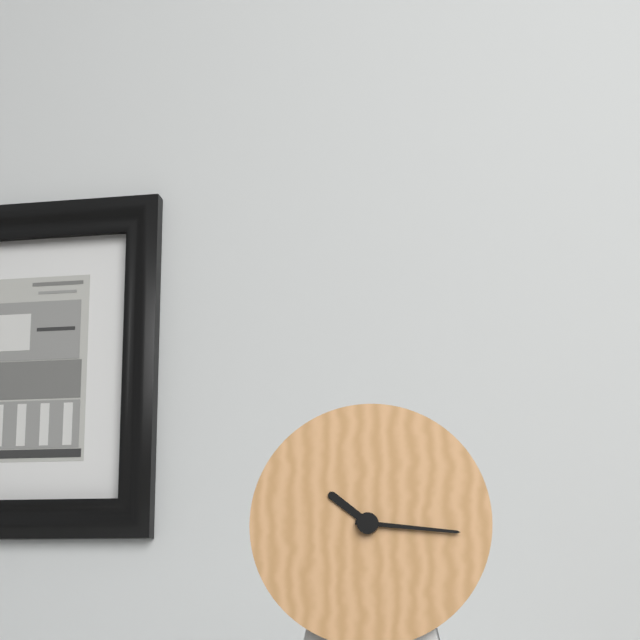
10h16
